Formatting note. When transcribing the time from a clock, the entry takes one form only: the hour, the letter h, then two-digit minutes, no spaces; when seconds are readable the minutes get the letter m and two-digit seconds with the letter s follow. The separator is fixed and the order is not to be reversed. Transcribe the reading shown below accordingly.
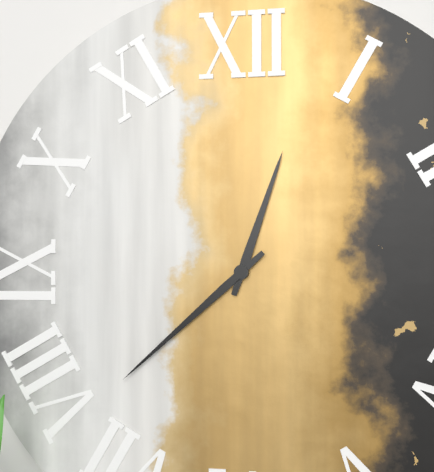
12h38
